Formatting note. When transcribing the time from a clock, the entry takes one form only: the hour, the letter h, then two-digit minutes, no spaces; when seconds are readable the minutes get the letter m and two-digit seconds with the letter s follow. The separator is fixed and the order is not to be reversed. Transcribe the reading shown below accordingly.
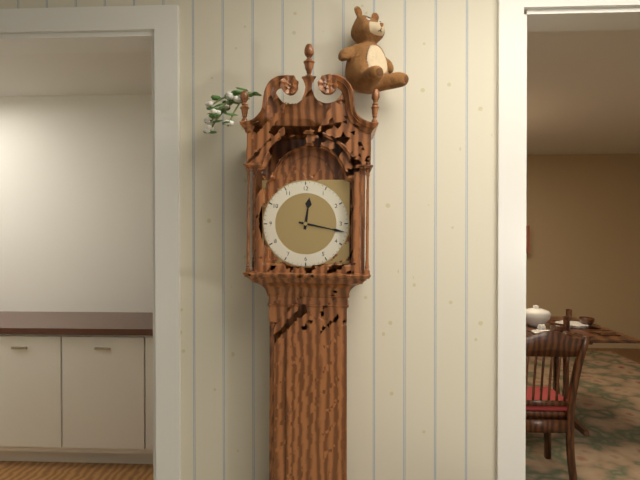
12h17
